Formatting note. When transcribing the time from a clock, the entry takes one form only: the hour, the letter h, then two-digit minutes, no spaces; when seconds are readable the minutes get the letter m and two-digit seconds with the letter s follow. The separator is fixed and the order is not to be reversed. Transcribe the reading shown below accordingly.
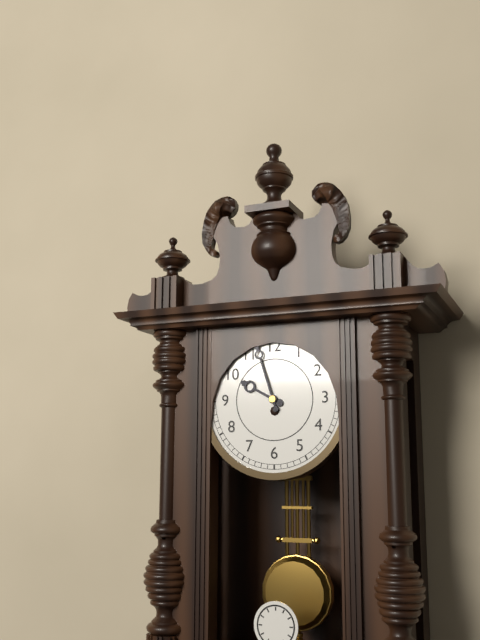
9h57
